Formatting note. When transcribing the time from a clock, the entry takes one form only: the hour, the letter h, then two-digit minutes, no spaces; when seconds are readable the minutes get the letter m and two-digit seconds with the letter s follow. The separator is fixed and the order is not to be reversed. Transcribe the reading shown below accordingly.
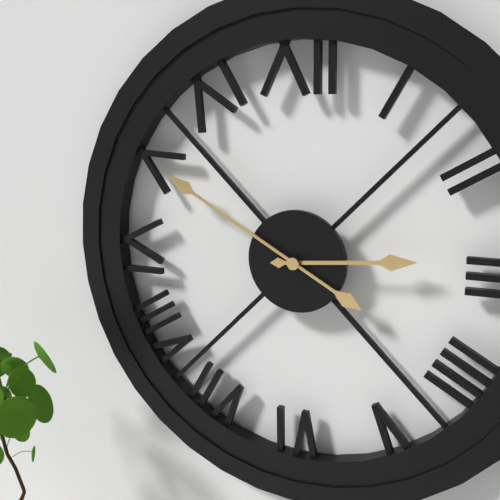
2h50
